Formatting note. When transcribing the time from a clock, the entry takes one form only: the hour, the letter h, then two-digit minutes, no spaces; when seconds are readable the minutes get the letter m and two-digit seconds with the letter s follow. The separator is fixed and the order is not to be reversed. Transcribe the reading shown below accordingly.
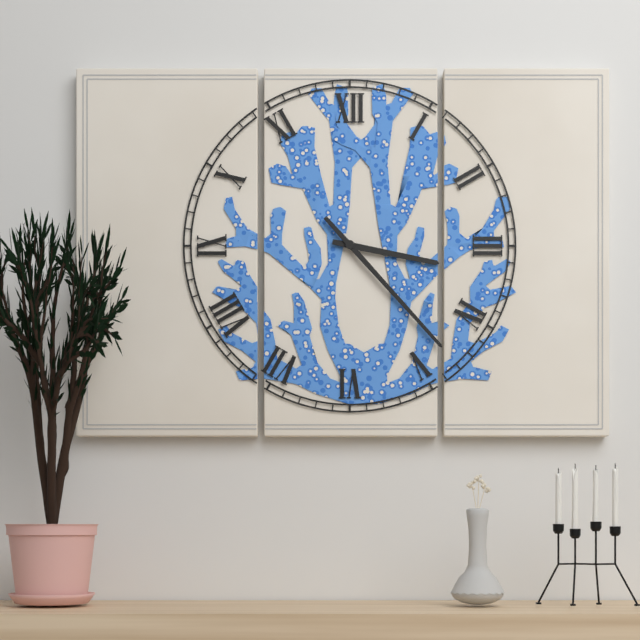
3h23
